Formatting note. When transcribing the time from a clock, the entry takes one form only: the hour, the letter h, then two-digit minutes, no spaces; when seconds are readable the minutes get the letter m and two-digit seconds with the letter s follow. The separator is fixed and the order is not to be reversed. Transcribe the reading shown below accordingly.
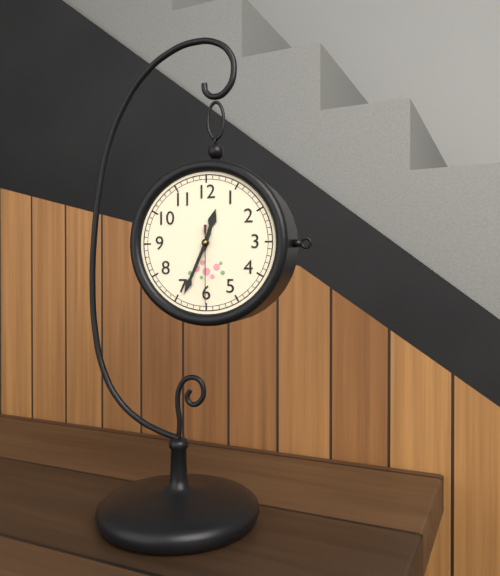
12h34m30s
